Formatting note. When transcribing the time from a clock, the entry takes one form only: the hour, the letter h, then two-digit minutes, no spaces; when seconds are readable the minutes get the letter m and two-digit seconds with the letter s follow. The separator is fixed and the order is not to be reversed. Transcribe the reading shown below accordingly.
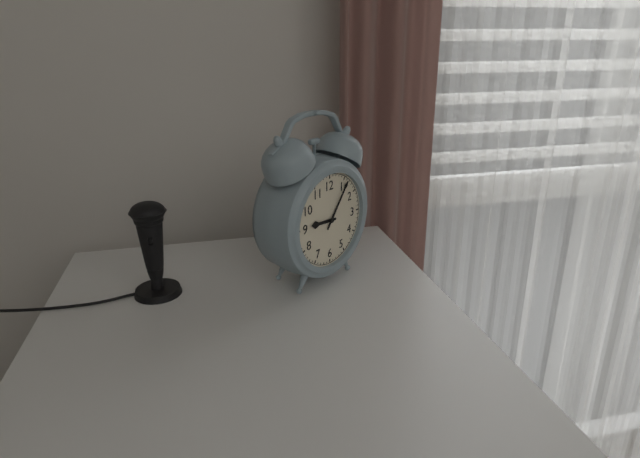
9h06
